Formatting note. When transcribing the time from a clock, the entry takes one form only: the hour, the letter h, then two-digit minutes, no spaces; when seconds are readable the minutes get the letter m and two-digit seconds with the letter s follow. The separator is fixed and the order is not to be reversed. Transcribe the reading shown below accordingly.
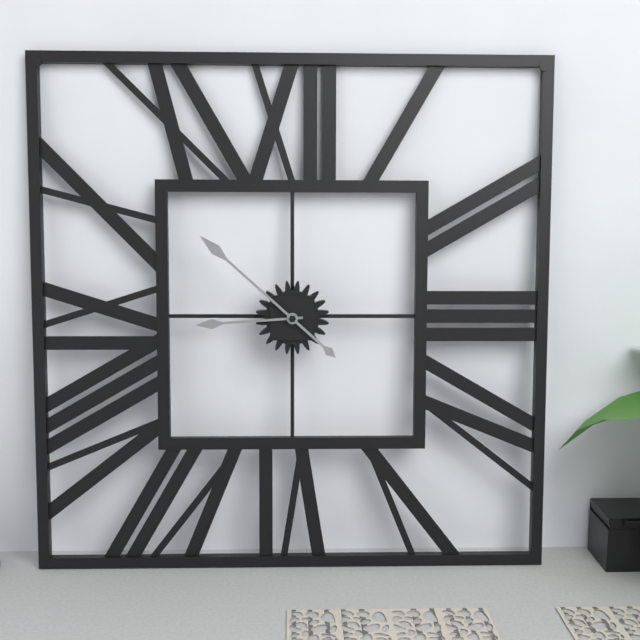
8h52
